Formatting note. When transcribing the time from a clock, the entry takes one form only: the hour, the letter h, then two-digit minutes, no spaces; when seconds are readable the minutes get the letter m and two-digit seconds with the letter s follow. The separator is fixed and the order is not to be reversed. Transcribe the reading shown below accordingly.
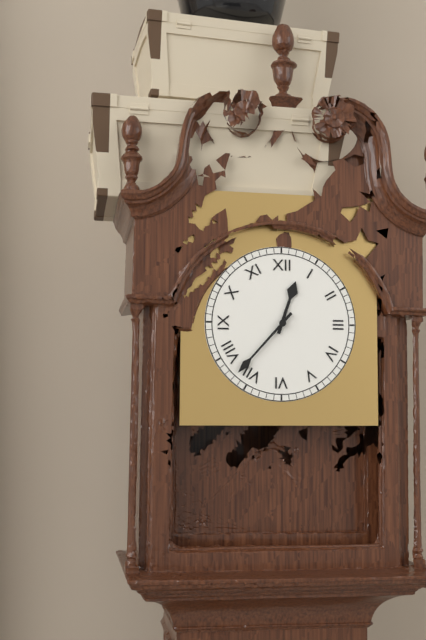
12h37
